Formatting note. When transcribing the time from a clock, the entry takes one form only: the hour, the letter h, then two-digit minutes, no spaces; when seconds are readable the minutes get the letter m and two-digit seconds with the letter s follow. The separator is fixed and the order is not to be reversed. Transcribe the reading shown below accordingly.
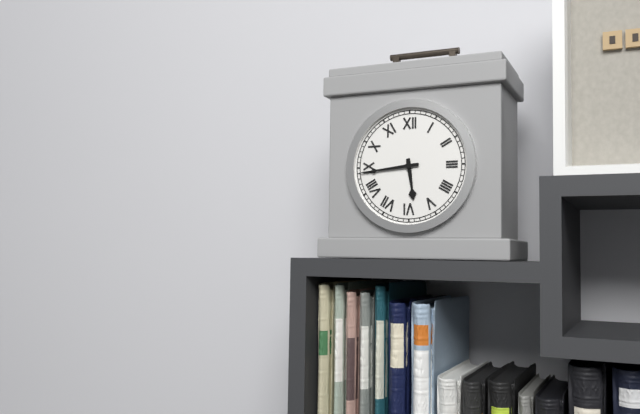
5h44
